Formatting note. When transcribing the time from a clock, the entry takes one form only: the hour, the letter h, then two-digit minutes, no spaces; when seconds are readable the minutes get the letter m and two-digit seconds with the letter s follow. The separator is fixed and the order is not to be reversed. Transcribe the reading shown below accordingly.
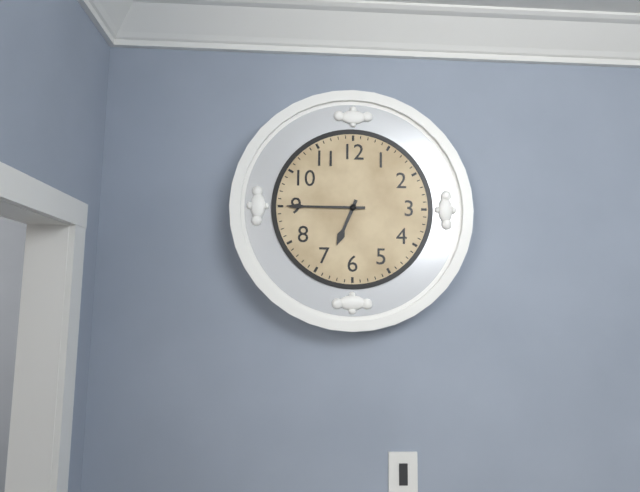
6h45
